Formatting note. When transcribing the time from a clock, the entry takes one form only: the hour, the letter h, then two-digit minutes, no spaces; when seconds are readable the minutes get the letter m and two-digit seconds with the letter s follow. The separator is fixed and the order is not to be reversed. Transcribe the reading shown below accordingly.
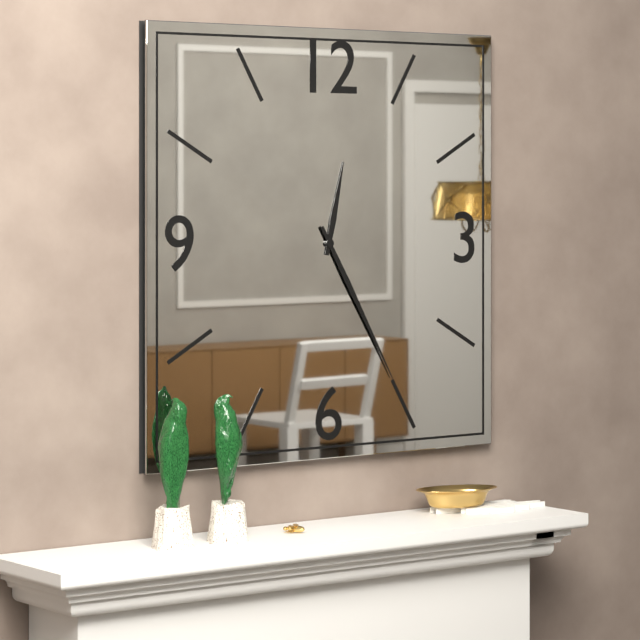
12h25
